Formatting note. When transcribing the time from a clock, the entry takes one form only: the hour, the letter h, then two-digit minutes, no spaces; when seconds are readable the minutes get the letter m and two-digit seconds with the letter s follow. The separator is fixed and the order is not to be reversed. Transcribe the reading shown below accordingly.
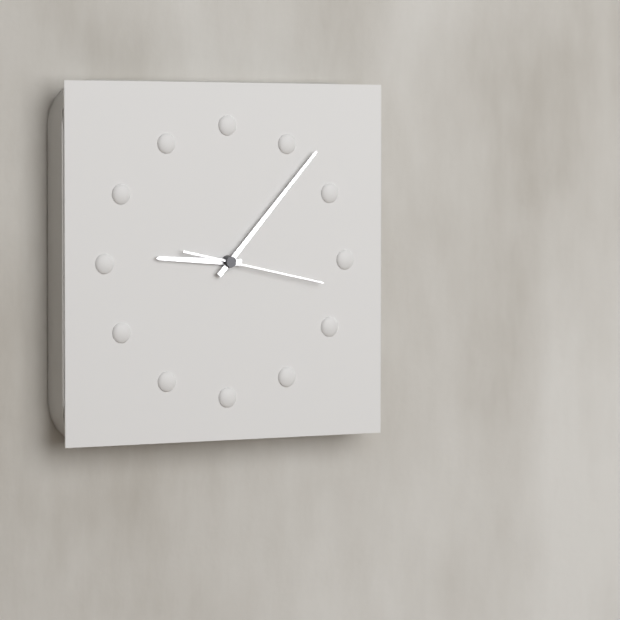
9h07m17s
